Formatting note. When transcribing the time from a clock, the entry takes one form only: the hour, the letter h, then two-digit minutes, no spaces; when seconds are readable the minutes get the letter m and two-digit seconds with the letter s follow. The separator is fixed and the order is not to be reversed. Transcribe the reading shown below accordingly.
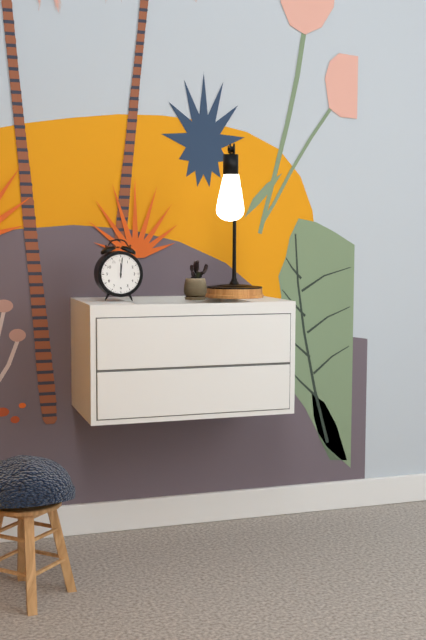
12h01
